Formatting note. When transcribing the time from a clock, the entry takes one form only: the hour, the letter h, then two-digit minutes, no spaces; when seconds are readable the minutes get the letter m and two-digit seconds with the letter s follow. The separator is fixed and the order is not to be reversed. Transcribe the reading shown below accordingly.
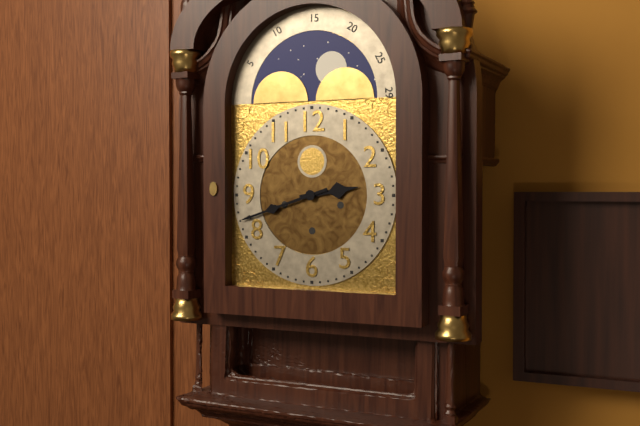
2h42
